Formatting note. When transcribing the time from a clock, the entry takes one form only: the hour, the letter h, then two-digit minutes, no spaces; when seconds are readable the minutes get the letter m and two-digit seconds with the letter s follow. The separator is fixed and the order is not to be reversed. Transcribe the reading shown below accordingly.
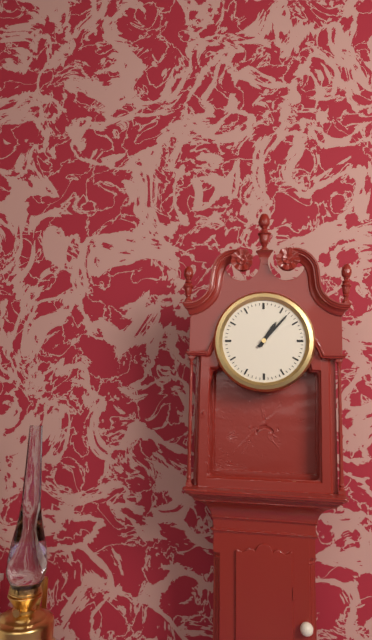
1h07
